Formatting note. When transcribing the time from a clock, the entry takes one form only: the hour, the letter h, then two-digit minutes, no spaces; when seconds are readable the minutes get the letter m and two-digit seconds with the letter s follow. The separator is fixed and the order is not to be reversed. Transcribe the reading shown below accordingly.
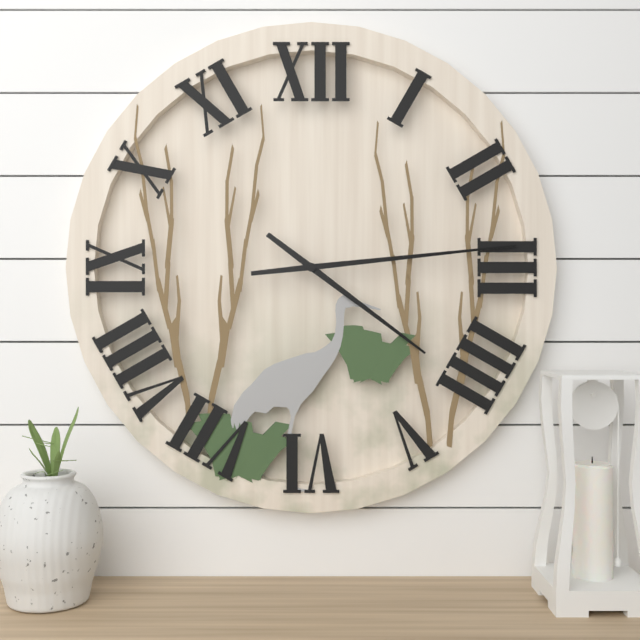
4h14
